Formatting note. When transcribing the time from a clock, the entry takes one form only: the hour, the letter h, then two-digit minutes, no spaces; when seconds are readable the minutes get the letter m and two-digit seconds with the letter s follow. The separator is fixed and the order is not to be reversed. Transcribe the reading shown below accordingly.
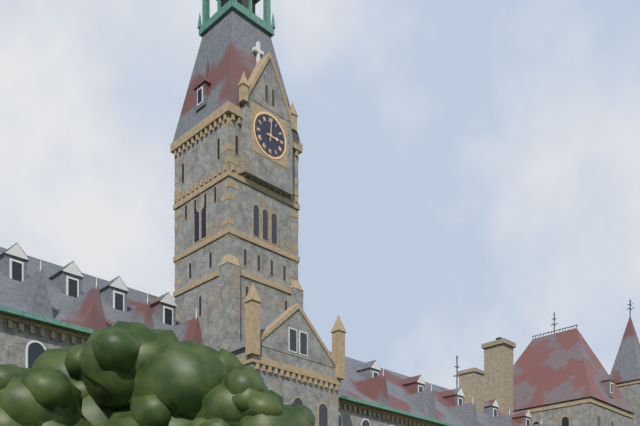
3h01
